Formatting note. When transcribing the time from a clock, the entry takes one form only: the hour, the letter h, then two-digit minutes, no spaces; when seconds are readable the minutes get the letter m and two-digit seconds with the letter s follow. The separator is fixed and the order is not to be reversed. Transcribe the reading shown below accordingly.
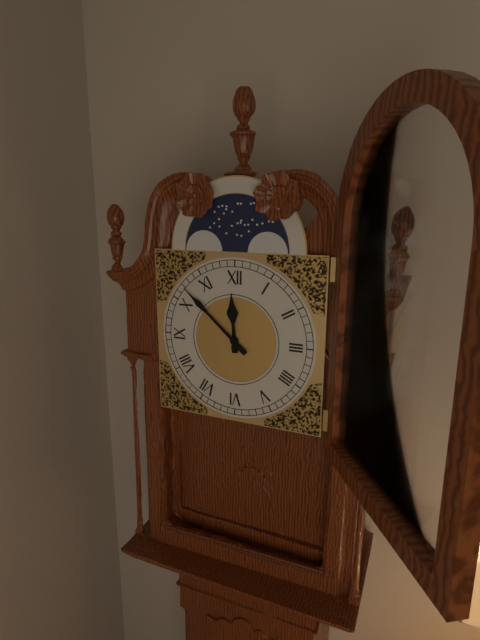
11h52
